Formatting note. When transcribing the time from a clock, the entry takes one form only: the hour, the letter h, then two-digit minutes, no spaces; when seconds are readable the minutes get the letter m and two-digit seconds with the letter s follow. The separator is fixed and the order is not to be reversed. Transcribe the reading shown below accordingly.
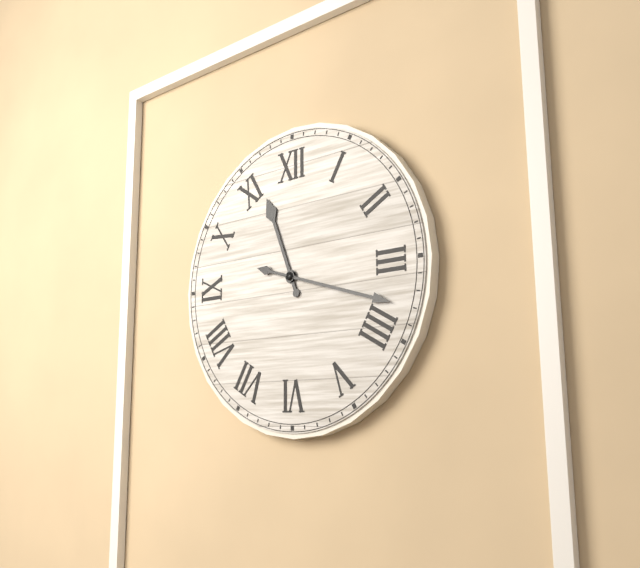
11h18
